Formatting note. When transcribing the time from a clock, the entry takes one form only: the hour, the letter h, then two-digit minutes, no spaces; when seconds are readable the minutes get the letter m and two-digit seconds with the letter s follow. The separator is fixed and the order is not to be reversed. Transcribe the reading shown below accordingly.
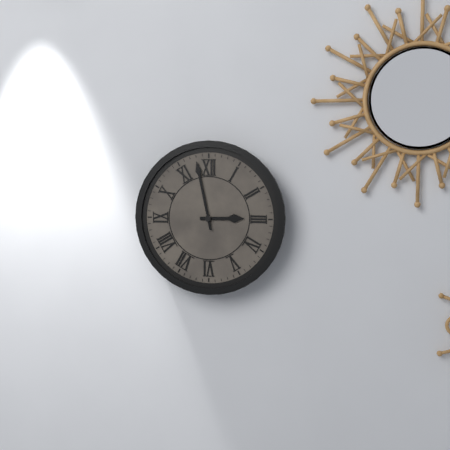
2h58
